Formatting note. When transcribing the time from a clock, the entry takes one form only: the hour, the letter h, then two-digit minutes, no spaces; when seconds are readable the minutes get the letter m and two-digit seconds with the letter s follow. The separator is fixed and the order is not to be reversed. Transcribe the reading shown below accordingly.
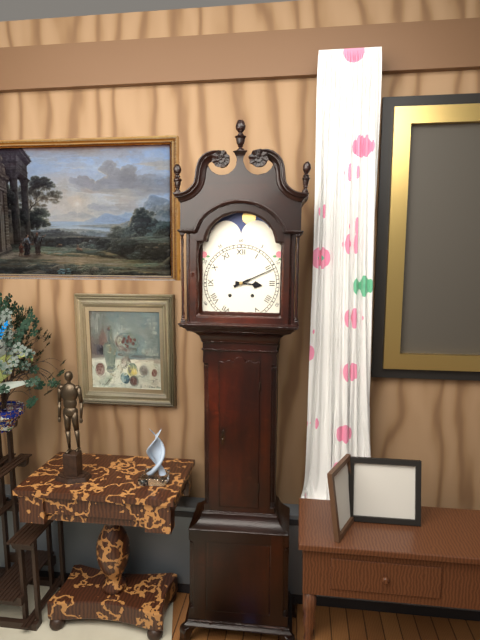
3h11
